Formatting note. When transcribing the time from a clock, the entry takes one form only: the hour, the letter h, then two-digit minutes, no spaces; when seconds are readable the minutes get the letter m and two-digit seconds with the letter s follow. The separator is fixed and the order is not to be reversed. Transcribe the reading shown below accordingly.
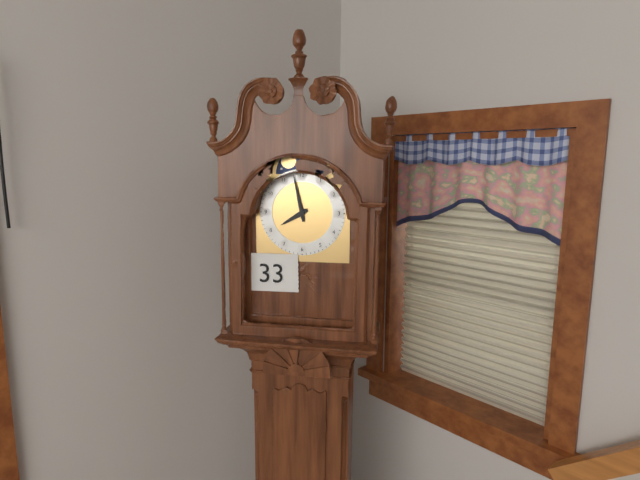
7h58
